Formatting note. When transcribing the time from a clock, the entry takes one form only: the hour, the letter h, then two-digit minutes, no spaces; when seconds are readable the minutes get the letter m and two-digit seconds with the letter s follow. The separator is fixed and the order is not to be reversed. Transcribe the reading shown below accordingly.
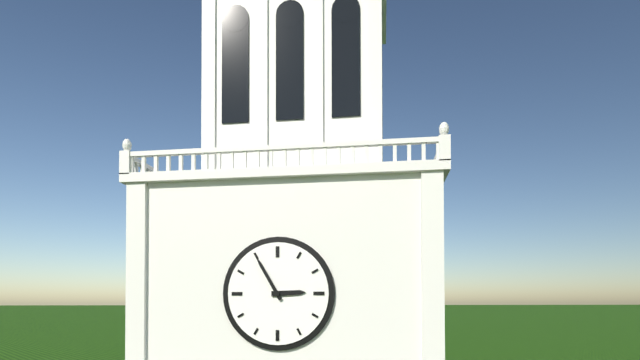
2h55
